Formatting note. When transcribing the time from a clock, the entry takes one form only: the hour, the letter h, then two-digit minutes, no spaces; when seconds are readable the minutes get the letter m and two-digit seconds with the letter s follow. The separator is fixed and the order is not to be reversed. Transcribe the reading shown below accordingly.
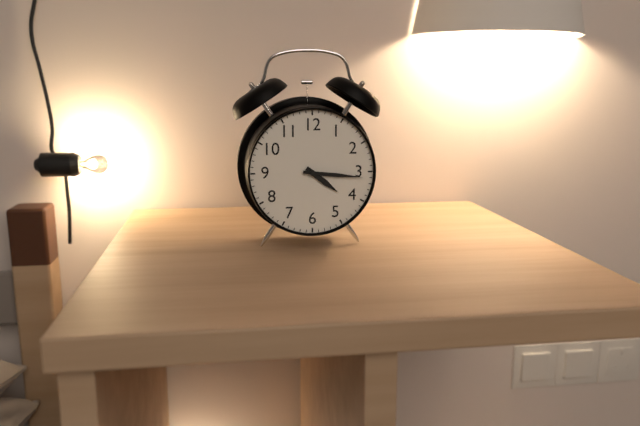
4h16
